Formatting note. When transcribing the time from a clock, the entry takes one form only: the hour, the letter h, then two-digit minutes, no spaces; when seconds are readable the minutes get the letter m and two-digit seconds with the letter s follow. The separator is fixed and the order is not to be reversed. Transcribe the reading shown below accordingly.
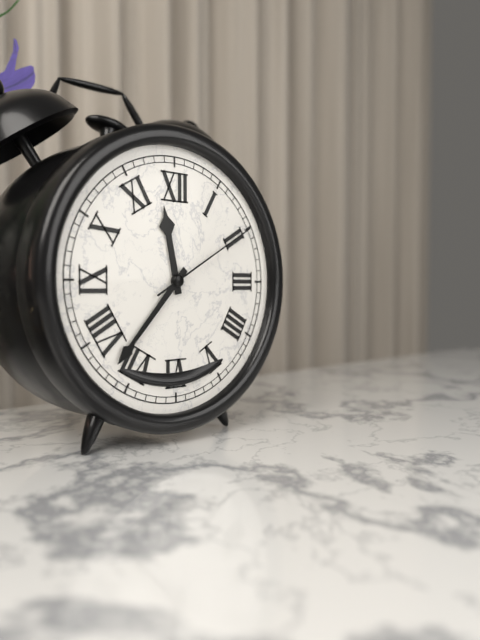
11h37m10s
